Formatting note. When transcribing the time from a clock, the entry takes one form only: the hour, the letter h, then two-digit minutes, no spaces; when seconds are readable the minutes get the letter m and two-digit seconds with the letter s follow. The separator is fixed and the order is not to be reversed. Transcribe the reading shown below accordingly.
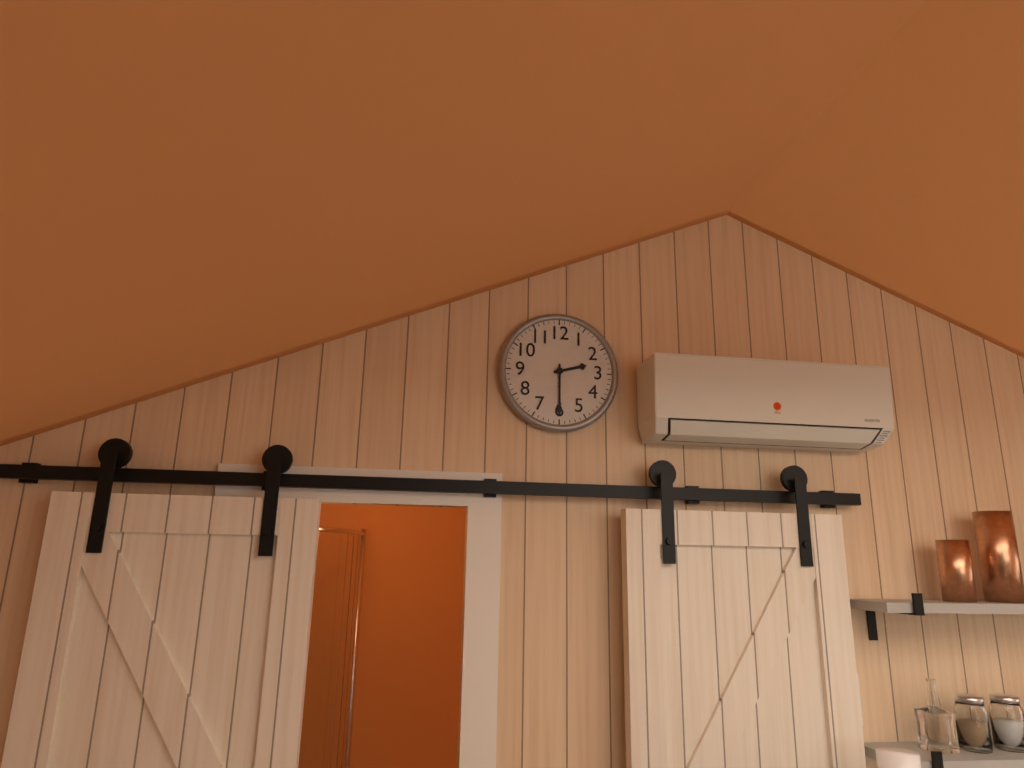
2h30
